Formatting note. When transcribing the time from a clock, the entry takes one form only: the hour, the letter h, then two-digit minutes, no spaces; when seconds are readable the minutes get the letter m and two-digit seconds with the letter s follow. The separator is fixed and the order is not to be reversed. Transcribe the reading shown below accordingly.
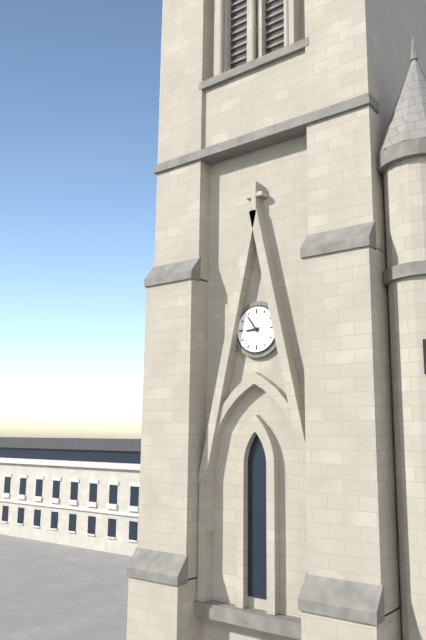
8h54
